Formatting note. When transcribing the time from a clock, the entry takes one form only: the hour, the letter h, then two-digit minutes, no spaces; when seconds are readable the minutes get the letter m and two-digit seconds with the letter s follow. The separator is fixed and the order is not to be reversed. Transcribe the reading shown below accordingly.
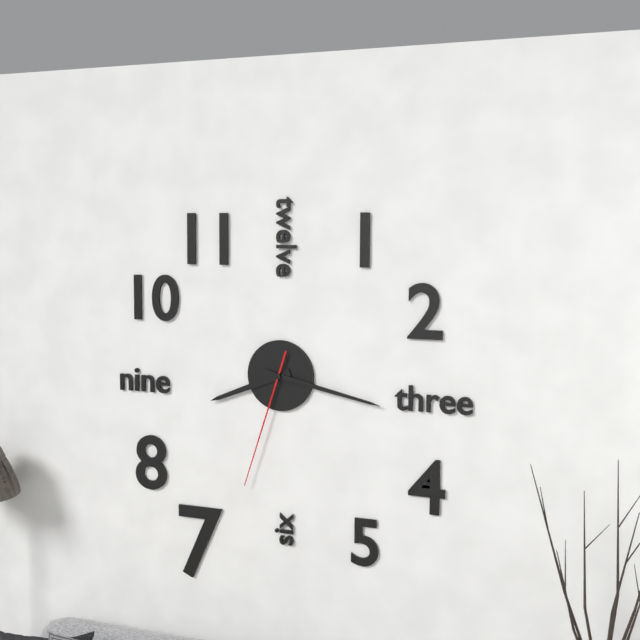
8h17m33s
